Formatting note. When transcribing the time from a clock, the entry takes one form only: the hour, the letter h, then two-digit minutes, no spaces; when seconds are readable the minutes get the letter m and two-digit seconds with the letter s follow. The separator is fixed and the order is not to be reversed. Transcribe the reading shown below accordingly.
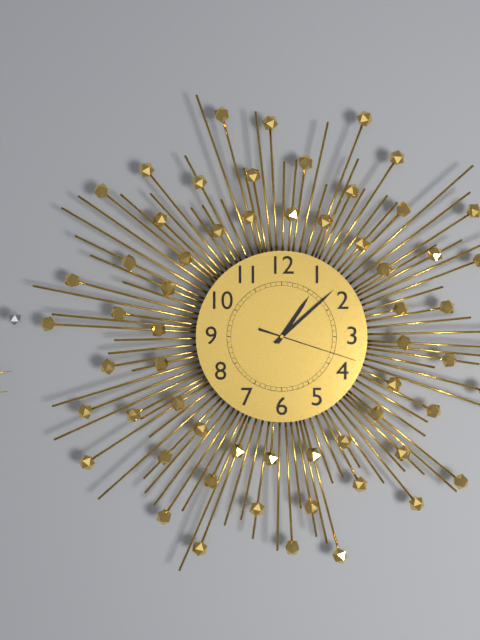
1h08m18s
